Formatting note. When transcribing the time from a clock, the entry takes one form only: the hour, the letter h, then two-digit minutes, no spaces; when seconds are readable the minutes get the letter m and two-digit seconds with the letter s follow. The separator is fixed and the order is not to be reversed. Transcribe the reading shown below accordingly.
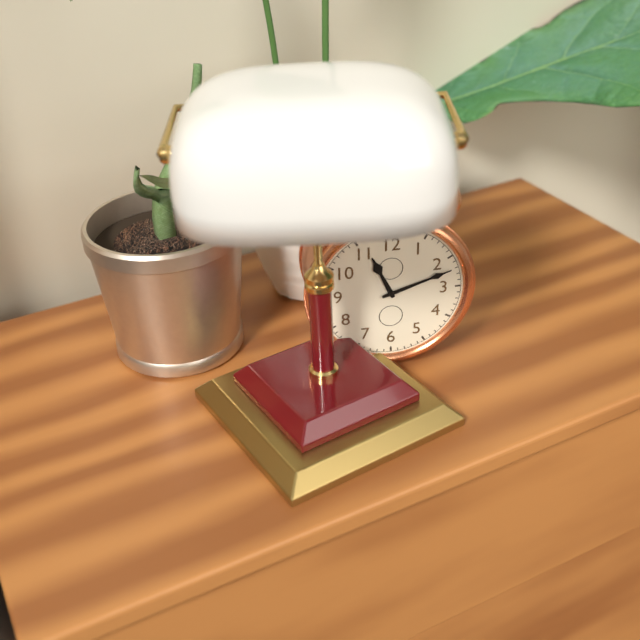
11h12
